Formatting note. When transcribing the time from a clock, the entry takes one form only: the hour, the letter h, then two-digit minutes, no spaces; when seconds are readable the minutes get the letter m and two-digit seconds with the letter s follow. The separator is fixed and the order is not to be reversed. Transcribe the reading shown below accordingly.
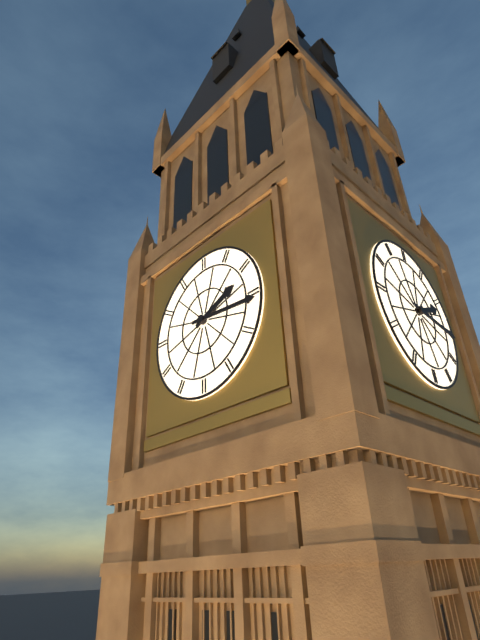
2h16
